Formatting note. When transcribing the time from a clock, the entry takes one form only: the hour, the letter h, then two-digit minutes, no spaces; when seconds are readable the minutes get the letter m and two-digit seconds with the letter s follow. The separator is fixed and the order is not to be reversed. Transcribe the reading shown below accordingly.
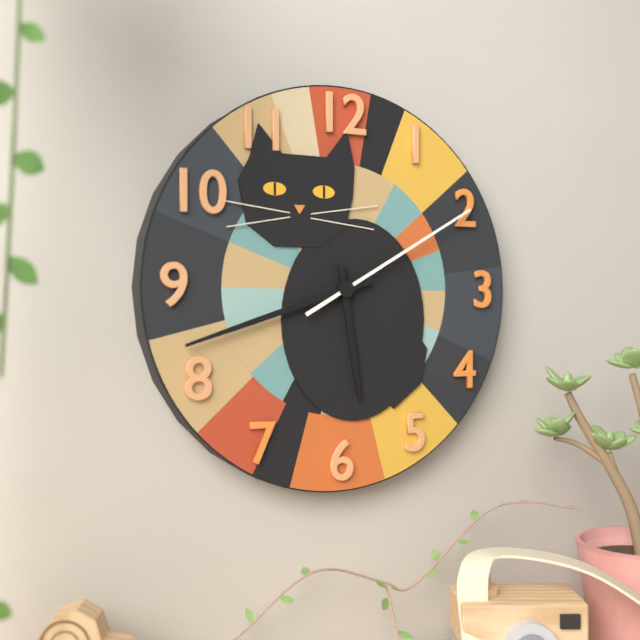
5h42m10s
